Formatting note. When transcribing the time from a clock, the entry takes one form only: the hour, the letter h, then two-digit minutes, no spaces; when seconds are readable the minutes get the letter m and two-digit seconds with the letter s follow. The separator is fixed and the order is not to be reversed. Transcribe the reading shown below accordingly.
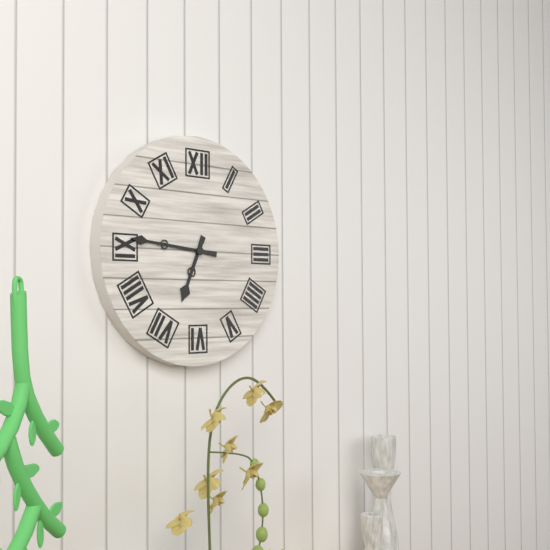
6h46
